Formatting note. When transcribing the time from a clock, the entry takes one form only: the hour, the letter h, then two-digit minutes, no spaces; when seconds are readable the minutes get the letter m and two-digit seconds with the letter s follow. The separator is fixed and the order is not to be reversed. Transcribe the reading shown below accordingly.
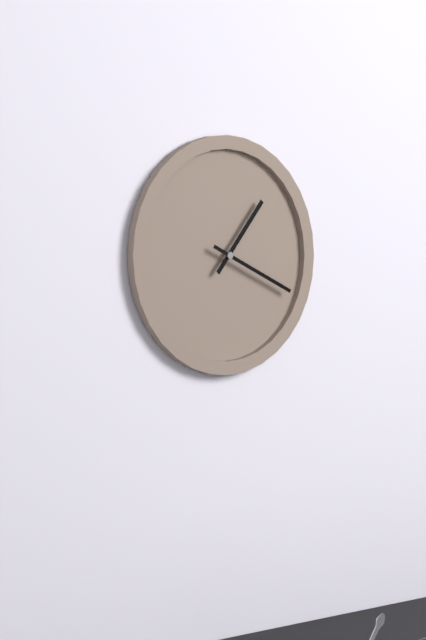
1h19
